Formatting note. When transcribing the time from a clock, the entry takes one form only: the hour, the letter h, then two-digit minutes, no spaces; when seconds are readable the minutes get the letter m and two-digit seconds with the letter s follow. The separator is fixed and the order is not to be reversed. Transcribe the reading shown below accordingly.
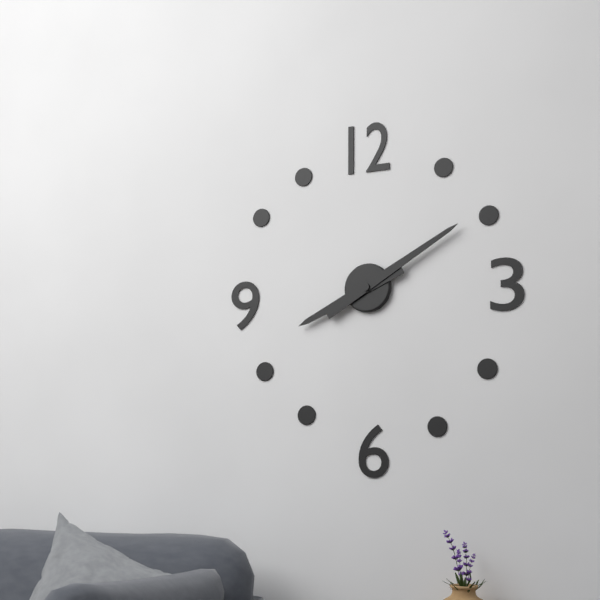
8h10
